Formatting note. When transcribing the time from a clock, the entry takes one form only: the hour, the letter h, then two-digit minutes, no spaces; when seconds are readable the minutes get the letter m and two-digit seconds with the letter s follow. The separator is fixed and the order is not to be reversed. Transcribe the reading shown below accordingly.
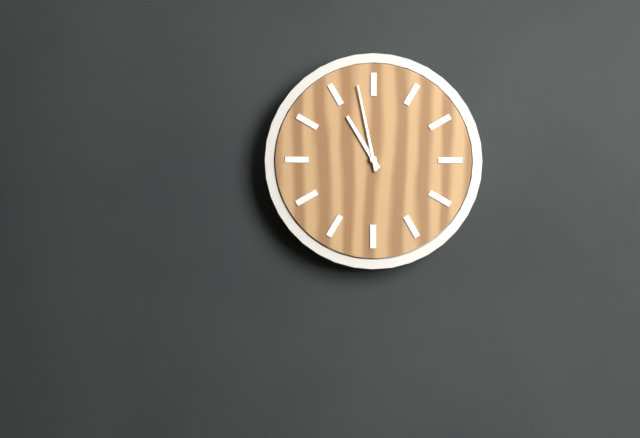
10h58
